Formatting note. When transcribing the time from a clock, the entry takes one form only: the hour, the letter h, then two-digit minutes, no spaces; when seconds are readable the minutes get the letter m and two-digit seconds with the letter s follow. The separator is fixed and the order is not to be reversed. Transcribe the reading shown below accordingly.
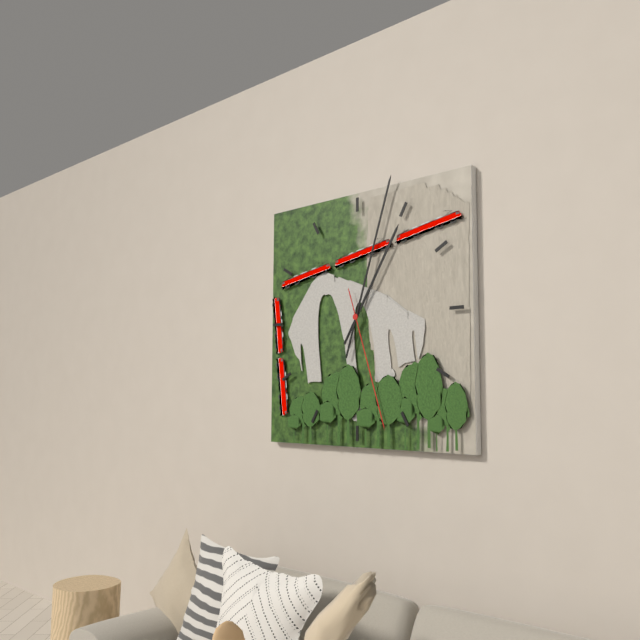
1h03m27s
